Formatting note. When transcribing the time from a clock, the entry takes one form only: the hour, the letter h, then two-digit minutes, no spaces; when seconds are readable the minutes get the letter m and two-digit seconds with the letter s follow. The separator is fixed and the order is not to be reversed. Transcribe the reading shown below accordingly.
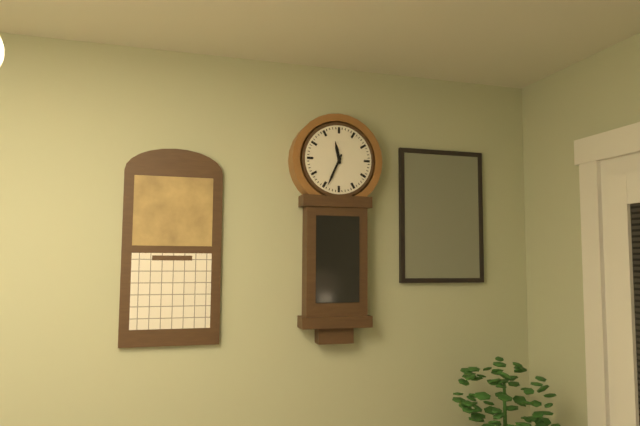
11h34
